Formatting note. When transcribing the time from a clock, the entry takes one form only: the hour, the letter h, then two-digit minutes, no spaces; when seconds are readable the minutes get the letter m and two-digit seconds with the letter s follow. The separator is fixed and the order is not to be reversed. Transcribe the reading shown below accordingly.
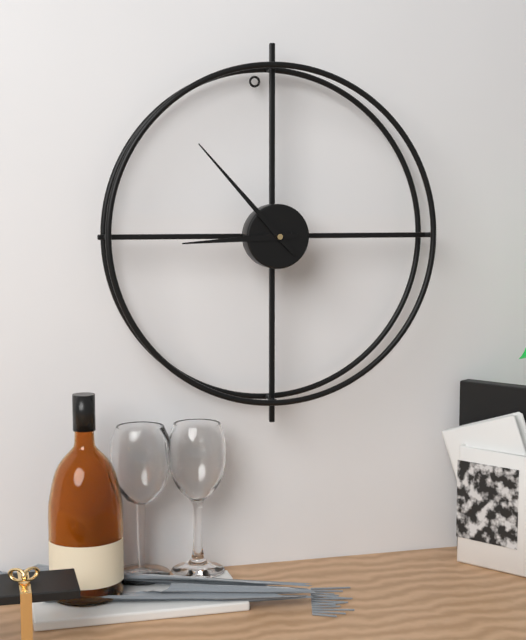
8h53
